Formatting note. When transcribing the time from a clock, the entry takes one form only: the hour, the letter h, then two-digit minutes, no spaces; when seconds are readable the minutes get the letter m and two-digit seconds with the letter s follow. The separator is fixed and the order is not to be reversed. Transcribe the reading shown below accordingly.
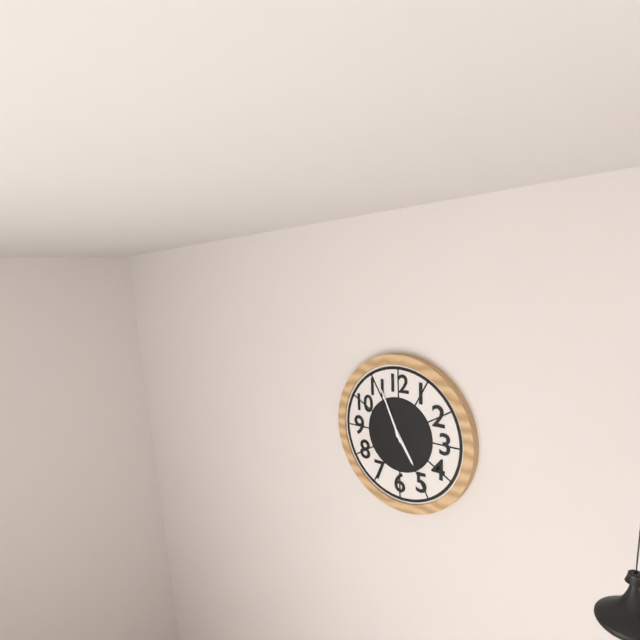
4h56
